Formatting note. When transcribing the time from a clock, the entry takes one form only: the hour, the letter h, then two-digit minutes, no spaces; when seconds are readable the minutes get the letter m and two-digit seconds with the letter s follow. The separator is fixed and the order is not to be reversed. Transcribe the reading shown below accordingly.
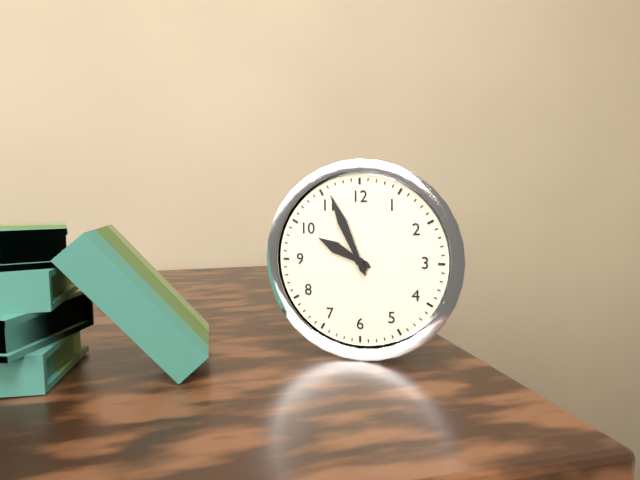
9h56
